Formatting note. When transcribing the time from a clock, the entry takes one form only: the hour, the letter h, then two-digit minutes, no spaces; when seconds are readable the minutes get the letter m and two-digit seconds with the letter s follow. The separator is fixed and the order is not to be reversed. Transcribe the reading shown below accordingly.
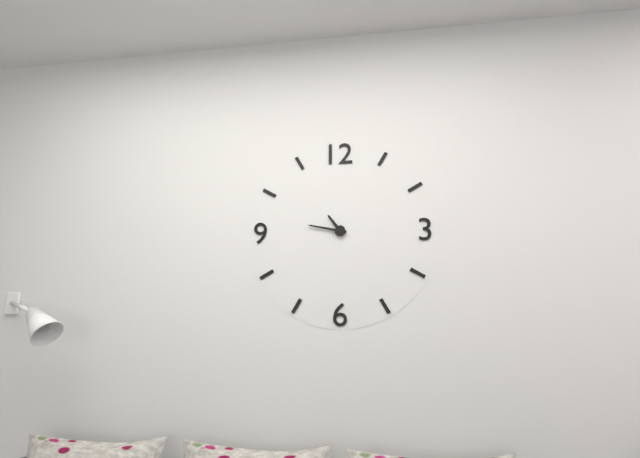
10h47
